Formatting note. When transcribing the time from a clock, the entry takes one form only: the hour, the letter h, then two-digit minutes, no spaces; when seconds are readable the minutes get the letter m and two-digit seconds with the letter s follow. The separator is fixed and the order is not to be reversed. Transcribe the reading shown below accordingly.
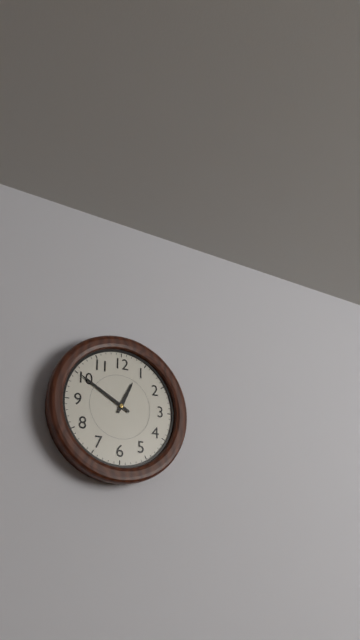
12h50
